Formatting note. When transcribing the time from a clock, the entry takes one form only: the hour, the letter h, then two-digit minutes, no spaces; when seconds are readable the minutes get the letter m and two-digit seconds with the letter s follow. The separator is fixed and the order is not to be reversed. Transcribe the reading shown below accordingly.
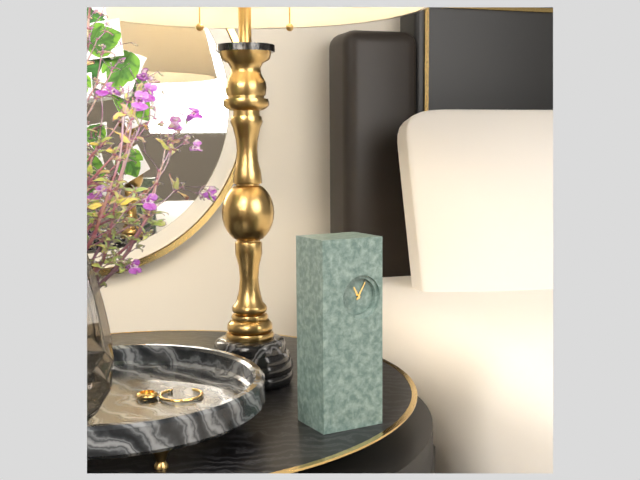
11h05
